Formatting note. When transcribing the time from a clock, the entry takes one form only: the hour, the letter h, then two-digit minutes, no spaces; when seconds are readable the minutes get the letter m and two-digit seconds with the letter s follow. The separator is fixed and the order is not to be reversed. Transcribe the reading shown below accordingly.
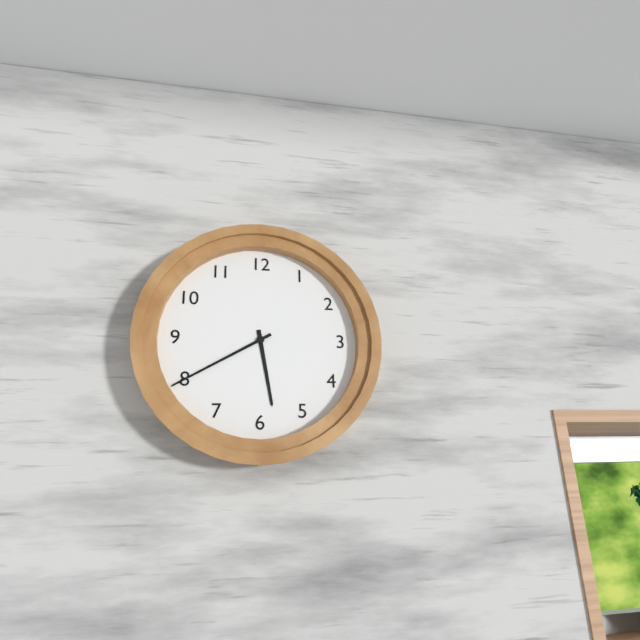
5h40
